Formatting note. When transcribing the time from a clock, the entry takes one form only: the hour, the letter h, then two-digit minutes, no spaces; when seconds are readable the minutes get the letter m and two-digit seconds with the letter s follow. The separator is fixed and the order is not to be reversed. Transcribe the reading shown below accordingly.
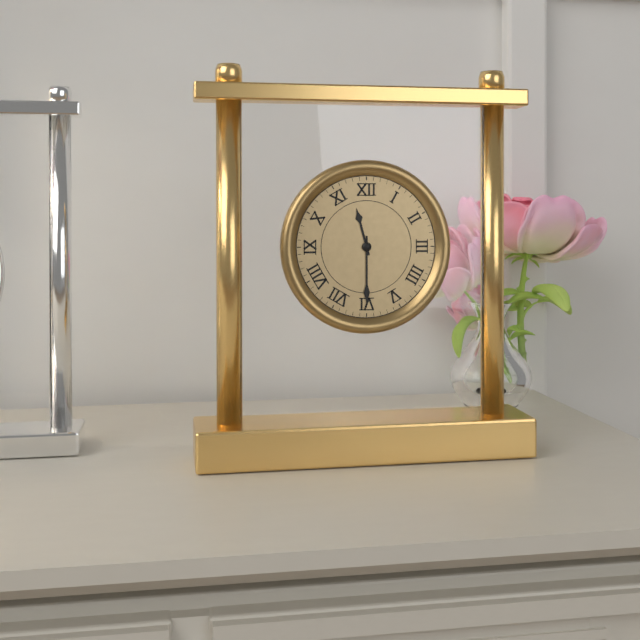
11h30
